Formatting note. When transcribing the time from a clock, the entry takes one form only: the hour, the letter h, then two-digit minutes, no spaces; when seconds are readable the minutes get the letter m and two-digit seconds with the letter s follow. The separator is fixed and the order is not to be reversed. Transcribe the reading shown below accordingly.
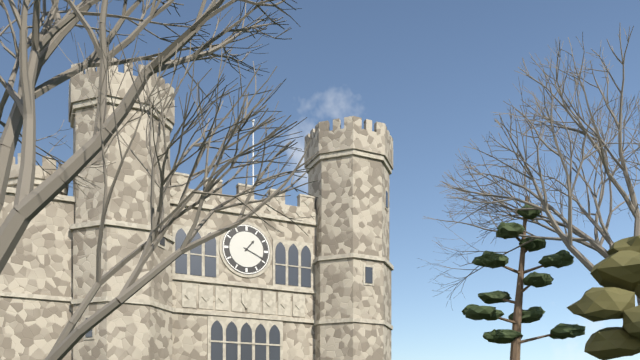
1h19
